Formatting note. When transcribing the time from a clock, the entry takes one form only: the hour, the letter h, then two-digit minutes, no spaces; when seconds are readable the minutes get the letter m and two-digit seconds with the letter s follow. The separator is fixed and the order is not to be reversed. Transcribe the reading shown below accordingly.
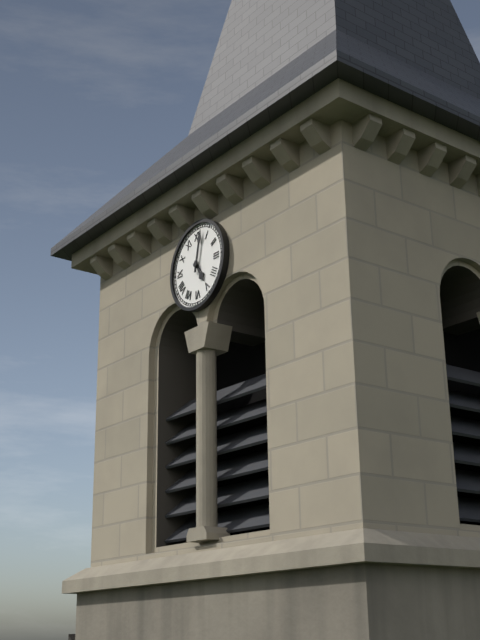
5h02
